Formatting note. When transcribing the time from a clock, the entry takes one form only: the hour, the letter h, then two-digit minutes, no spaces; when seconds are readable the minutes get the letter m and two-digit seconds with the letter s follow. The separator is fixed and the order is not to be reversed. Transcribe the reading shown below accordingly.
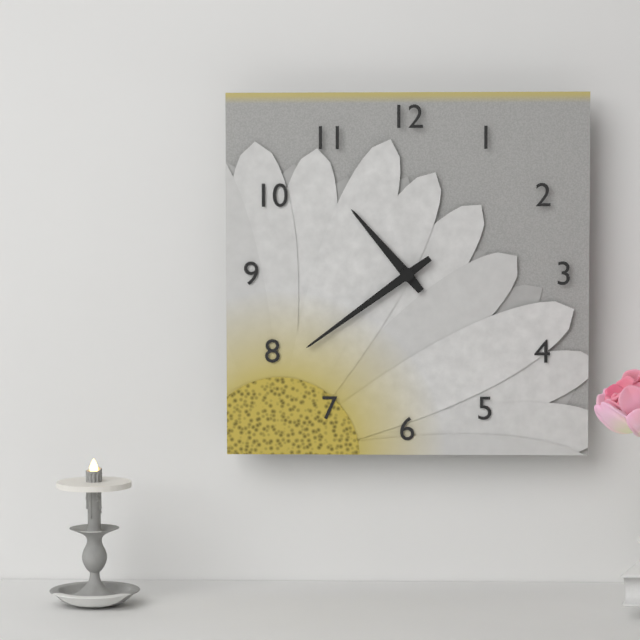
10h39
